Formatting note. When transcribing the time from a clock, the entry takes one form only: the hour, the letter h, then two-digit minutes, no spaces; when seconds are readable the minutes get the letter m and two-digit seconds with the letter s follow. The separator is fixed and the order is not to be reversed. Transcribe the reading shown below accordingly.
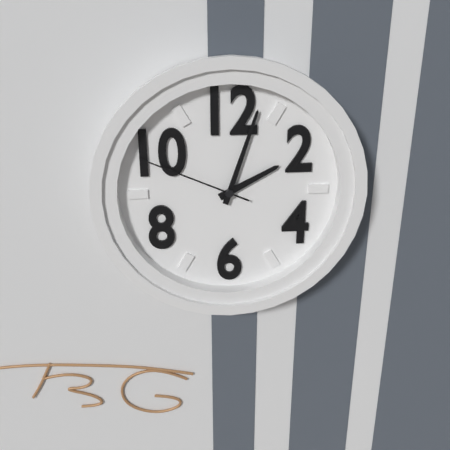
2h03m49s
